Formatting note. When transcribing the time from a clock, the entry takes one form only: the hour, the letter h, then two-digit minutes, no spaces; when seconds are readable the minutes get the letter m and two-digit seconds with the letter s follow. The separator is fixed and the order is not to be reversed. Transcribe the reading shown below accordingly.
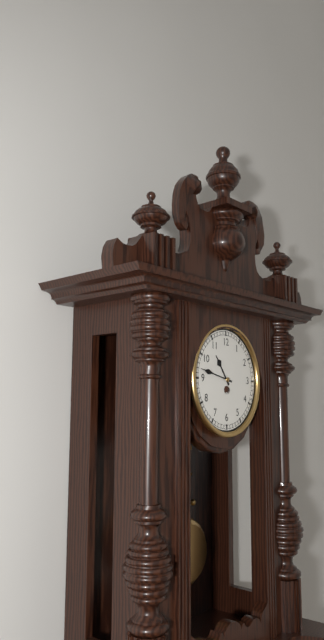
10h47
